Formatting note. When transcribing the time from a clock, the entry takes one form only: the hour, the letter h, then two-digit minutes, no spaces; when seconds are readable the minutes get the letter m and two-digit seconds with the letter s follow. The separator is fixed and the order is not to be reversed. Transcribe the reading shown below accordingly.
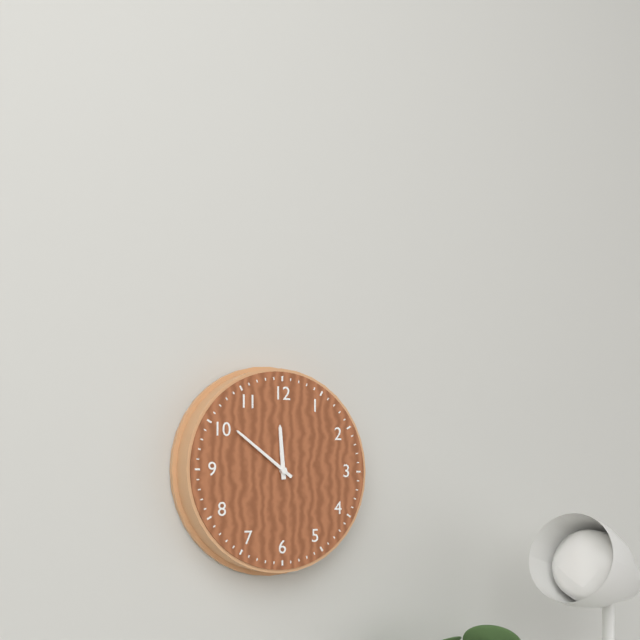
11h51
